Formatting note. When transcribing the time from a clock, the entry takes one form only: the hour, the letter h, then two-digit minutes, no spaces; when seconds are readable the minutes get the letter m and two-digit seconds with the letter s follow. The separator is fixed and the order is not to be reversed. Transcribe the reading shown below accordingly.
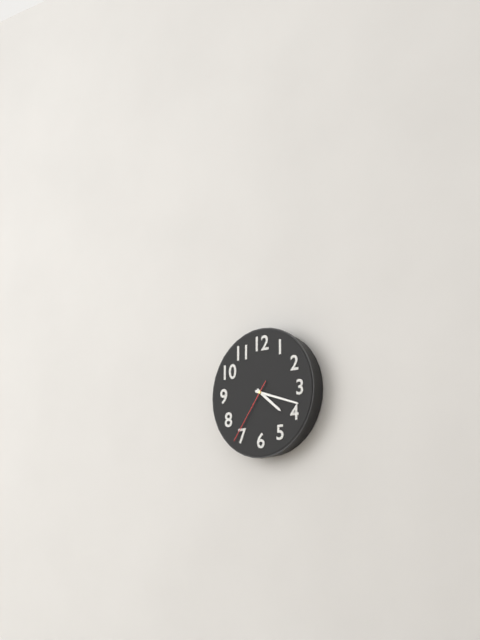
4h18m36s
